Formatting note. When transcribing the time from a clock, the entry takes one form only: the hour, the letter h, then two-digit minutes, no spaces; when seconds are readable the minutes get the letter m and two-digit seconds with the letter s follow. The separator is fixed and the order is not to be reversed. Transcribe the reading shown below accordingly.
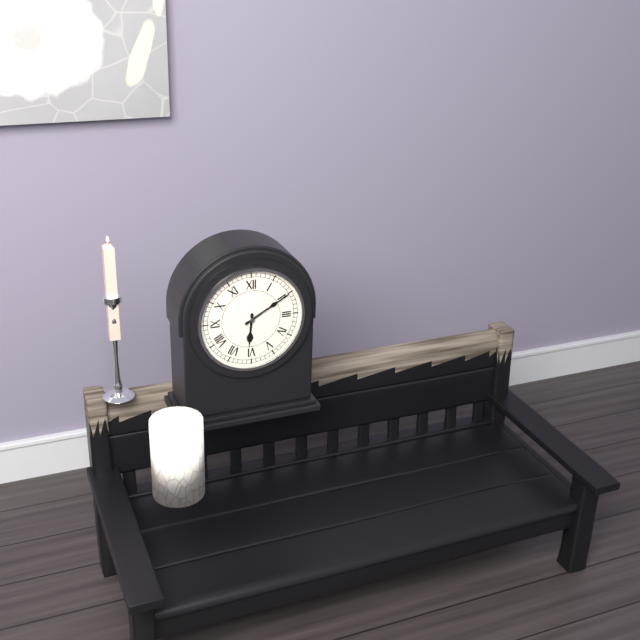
6h10
